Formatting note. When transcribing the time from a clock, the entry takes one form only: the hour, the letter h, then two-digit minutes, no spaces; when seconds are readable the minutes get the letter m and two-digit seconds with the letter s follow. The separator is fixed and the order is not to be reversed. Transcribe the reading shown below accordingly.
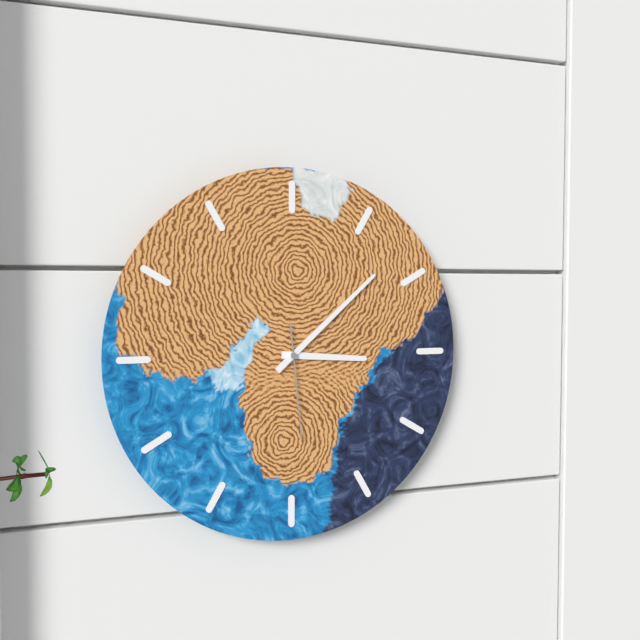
3h08m29s
